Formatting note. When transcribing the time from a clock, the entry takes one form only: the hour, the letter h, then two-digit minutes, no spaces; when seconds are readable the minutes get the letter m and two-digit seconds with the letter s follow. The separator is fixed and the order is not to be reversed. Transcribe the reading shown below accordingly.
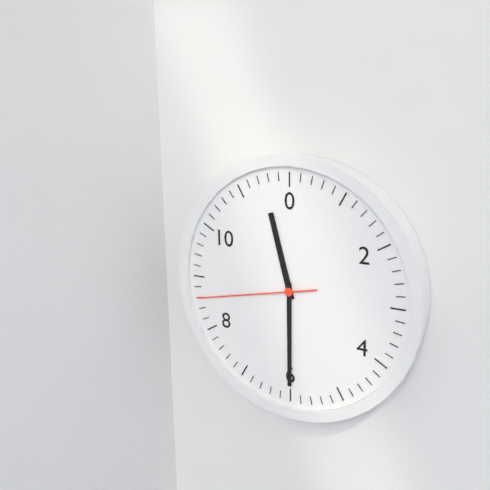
11h30m43s
